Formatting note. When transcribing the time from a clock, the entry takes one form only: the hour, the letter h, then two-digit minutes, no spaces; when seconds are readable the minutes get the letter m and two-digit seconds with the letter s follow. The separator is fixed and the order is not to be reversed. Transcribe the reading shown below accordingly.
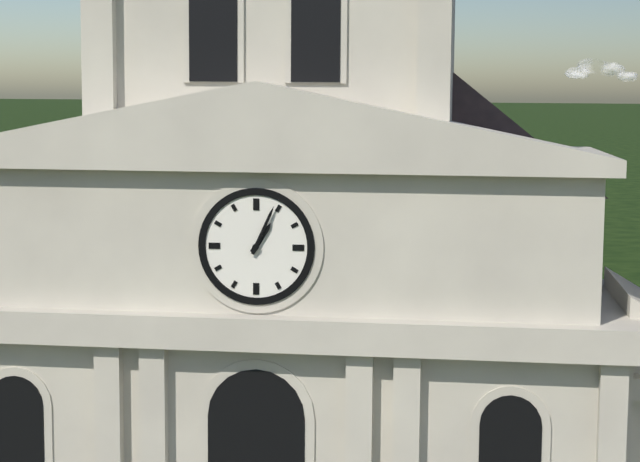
1h04
